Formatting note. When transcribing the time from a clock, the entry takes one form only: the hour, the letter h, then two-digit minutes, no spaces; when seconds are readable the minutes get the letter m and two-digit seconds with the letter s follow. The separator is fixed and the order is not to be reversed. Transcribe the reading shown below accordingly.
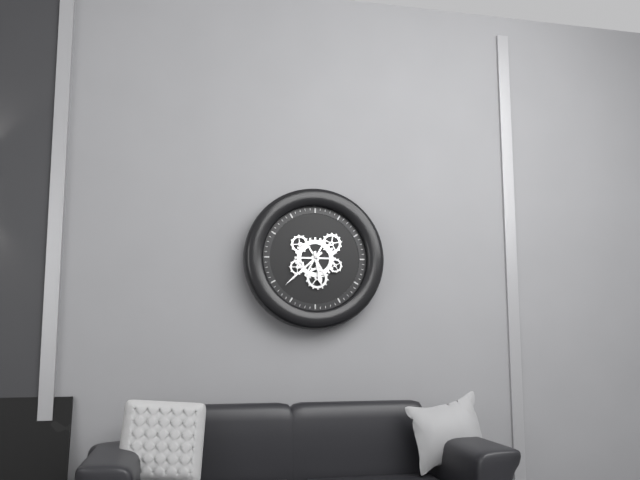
5h38
